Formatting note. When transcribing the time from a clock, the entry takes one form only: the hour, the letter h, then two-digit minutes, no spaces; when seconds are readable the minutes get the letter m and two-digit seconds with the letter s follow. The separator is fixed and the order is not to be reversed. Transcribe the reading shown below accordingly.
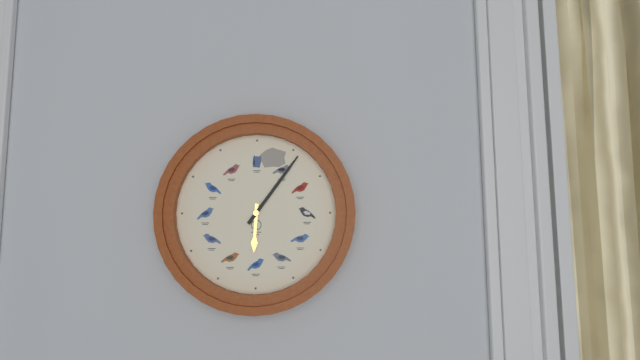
6h06
